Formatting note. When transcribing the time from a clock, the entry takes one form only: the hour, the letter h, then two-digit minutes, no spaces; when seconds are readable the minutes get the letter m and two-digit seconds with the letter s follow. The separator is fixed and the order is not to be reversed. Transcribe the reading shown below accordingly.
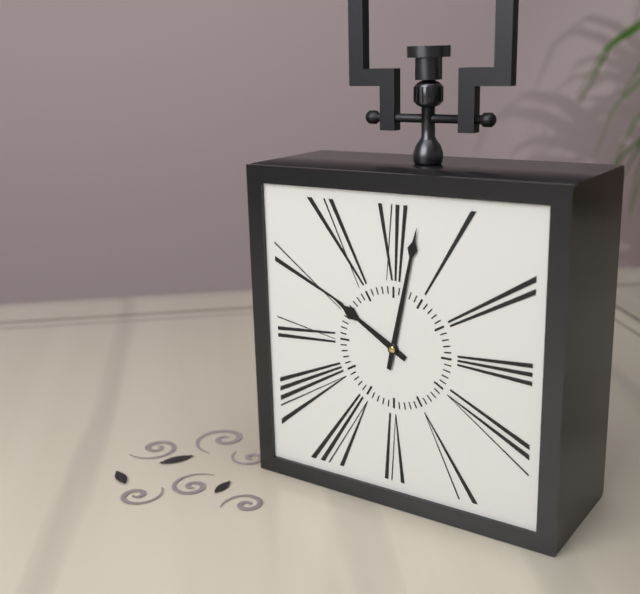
10h02
